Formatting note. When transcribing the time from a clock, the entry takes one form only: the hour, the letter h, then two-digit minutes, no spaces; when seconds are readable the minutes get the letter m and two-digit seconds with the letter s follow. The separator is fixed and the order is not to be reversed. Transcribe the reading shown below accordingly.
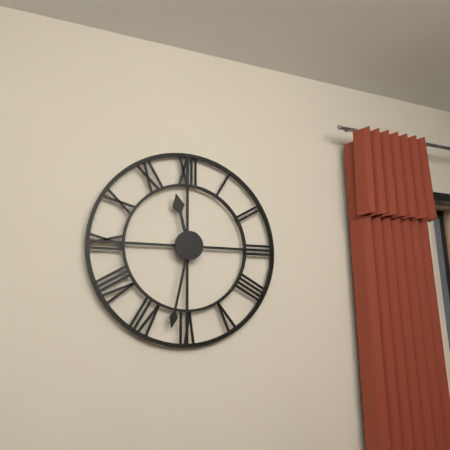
11h32
